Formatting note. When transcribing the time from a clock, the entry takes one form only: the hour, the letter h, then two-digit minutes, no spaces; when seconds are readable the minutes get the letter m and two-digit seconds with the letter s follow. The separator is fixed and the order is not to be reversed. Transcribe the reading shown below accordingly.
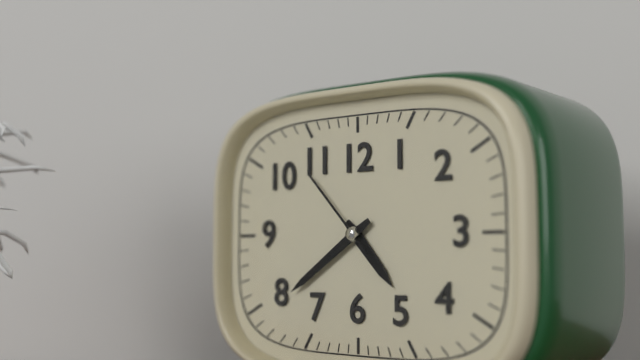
4h39m53s
